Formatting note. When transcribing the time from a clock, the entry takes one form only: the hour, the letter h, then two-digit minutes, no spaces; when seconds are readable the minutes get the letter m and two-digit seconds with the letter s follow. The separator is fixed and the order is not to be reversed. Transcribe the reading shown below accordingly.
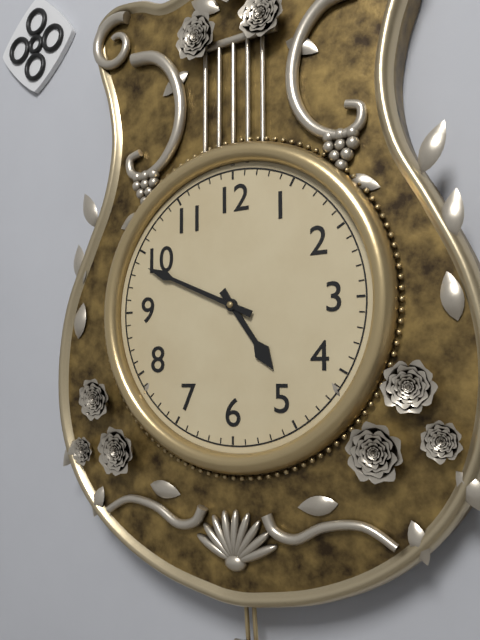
4h49
